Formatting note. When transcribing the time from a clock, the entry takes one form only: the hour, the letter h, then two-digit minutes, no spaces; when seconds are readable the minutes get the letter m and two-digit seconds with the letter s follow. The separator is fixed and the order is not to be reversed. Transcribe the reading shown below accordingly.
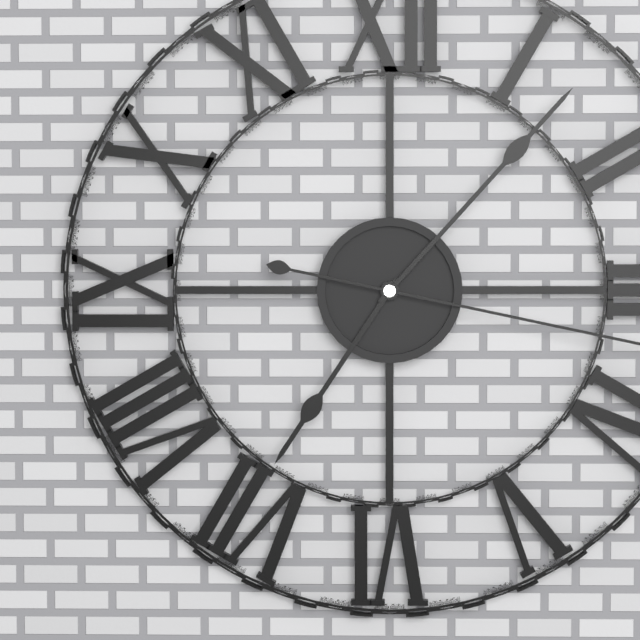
7h07
